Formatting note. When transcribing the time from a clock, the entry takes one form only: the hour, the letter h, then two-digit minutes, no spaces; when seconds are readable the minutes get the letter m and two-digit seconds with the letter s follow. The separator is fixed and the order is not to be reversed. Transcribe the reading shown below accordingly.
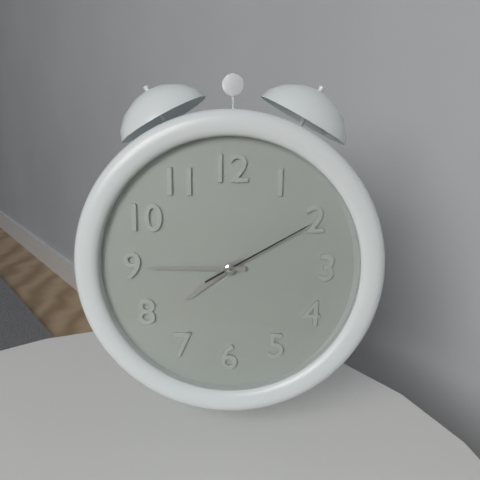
7h45m10s
